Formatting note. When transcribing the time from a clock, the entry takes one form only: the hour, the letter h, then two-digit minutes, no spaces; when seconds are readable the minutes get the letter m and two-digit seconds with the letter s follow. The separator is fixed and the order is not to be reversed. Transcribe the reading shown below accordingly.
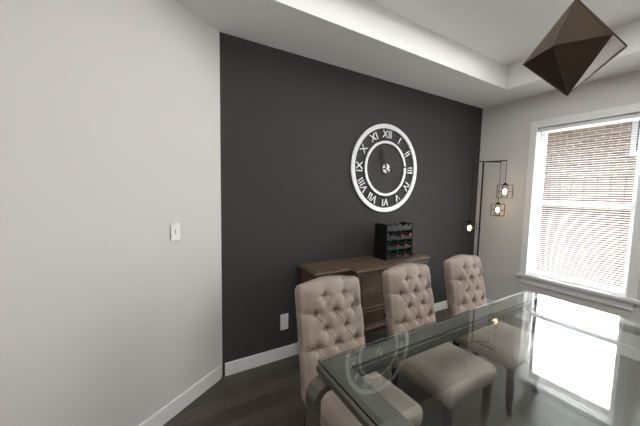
11h14
